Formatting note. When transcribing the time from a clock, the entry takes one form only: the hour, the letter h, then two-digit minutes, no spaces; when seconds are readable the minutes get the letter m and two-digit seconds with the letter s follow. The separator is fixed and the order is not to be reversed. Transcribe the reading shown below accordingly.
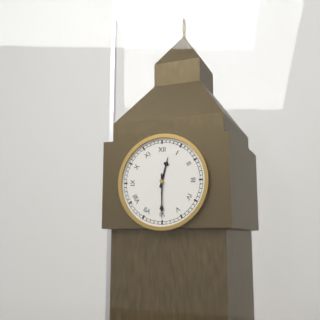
12h30
